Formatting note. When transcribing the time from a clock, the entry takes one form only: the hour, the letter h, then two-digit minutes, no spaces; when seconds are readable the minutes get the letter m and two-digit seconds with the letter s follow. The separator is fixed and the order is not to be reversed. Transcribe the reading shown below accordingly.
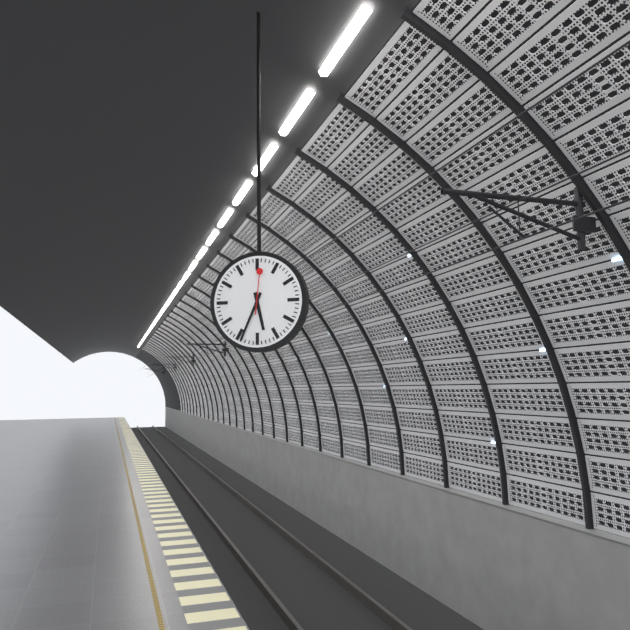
5h34
